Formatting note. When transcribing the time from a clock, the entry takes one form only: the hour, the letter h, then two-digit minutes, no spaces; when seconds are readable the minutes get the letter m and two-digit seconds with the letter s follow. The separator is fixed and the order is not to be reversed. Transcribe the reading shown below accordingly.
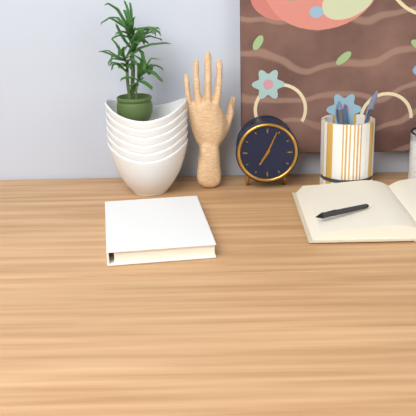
7h04
